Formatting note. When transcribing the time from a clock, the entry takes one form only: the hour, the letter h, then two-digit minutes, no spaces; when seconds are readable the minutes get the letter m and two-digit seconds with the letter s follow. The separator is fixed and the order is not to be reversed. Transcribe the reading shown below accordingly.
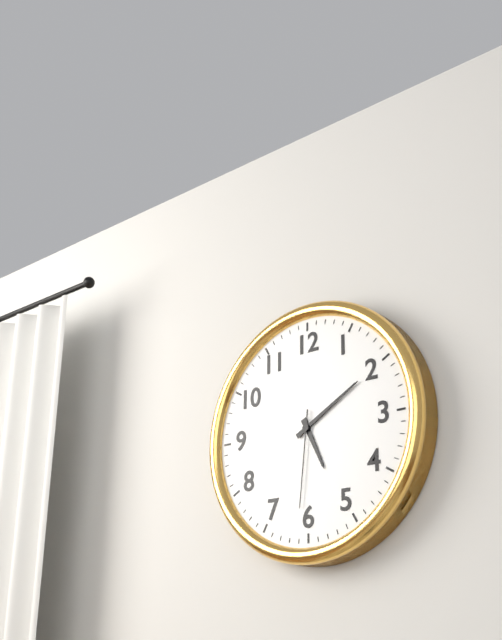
5h10m31s
